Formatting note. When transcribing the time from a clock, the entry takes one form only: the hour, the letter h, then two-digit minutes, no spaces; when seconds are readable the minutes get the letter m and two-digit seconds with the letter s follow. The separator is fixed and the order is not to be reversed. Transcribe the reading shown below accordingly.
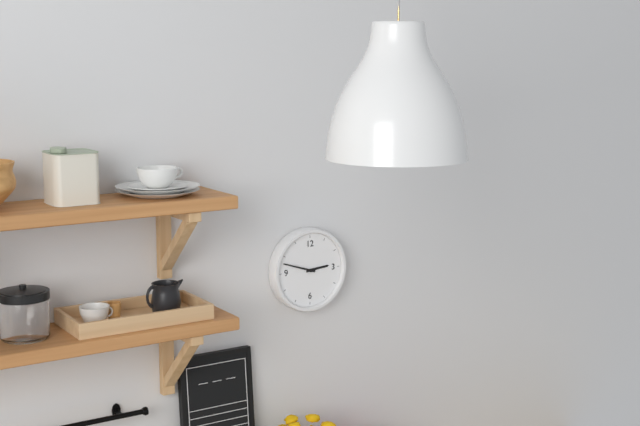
2h48
